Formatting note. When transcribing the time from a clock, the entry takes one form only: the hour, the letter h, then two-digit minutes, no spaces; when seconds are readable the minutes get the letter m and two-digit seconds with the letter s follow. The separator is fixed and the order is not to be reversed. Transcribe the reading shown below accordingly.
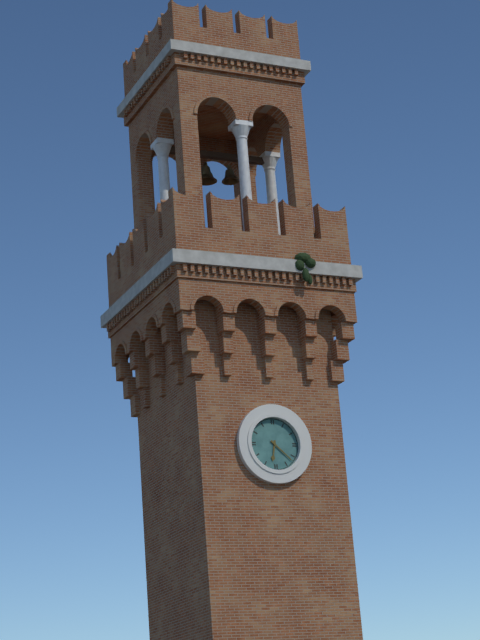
6h22
